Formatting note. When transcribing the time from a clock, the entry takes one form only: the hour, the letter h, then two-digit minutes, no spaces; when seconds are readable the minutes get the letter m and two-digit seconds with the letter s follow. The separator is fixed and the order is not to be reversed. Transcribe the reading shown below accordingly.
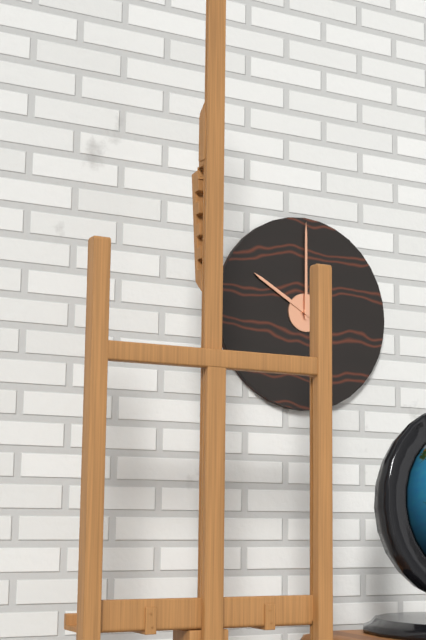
10h00
